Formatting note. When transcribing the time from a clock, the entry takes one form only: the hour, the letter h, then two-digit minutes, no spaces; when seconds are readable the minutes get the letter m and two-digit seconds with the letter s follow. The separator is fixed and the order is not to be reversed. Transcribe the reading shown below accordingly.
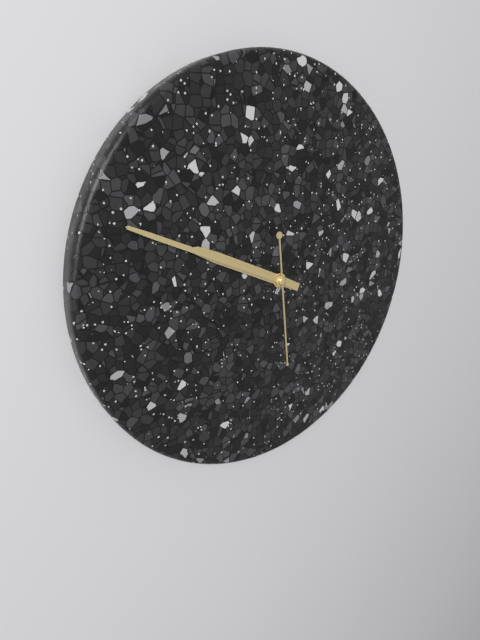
9h49m29s
